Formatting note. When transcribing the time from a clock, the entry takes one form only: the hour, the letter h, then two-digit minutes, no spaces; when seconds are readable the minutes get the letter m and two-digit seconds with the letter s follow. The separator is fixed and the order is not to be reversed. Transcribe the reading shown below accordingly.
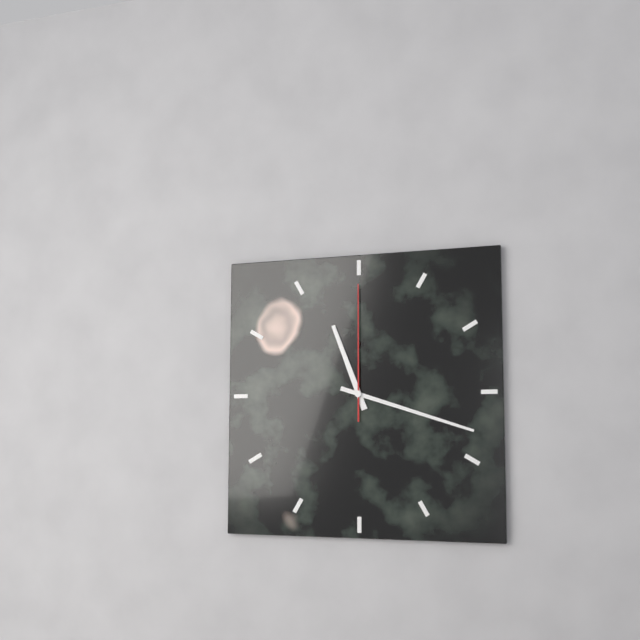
11h18m00s
